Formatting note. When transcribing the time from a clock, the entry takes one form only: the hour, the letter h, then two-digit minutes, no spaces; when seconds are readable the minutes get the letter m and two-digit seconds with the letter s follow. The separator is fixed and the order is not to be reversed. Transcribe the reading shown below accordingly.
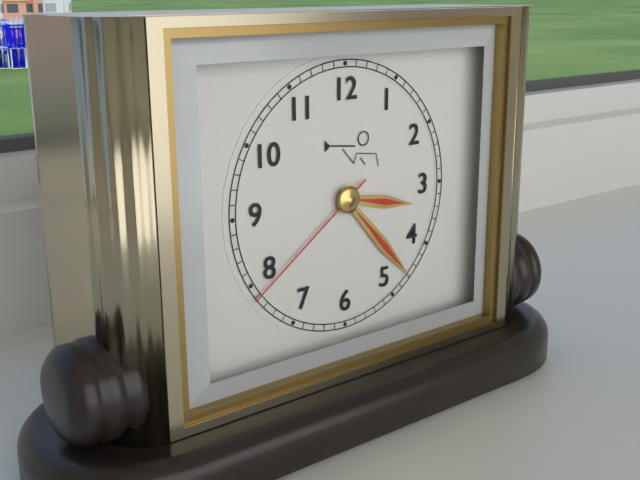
3h23m39s
